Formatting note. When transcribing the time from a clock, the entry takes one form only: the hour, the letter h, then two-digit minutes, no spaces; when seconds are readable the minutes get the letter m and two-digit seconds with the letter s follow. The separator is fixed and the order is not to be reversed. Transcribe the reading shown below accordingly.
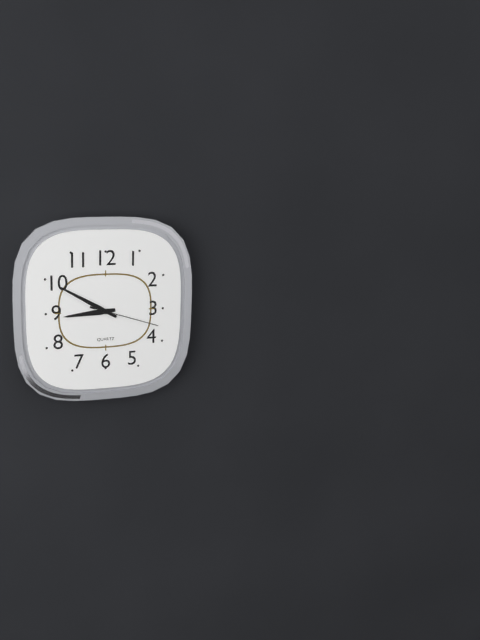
8h50m18s
